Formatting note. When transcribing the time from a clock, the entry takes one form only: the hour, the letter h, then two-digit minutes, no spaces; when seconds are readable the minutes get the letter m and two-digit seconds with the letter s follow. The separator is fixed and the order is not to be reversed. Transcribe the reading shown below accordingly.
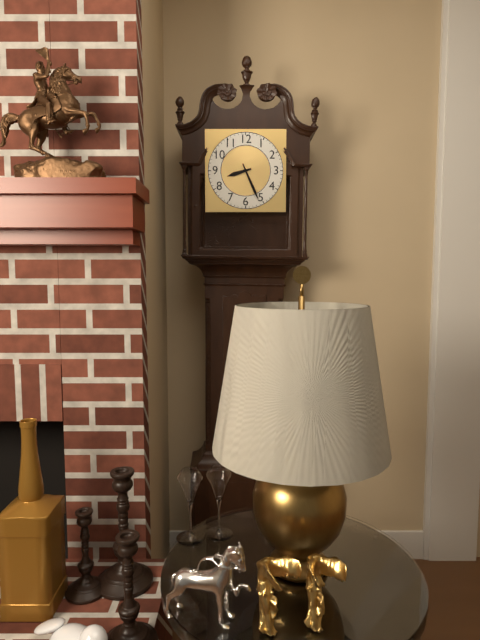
8h26
